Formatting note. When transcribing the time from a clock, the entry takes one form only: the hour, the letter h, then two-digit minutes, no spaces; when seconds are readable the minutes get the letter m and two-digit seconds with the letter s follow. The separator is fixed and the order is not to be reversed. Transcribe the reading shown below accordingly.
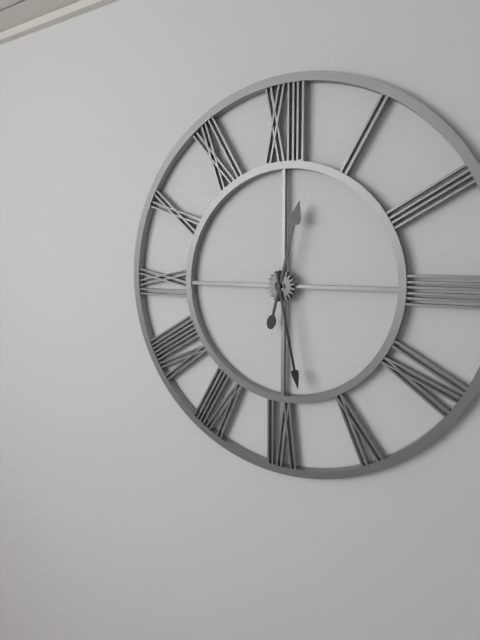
12h28
